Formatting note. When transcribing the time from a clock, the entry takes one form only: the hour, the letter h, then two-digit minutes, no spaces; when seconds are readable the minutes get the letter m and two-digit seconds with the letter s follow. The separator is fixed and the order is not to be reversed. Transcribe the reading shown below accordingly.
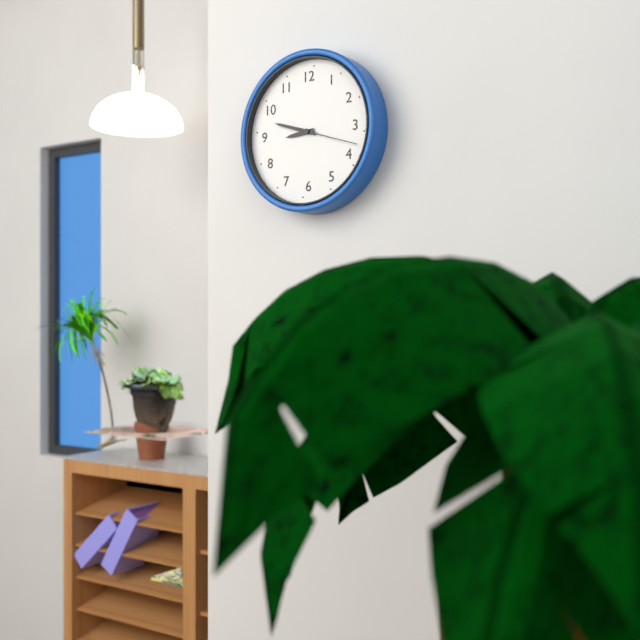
8h48m18s
